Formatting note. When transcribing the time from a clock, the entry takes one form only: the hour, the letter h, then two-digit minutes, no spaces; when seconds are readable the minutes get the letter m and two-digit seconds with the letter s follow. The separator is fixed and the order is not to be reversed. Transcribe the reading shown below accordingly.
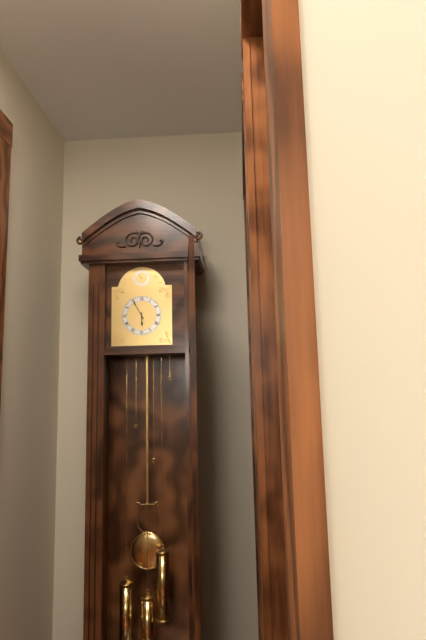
5h55
